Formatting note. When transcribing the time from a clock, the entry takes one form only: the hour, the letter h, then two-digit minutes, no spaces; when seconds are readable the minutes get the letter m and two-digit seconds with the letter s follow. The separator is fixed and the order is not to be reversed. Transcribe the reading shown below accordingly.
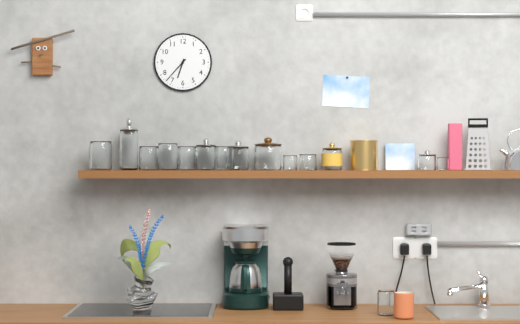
6h37
